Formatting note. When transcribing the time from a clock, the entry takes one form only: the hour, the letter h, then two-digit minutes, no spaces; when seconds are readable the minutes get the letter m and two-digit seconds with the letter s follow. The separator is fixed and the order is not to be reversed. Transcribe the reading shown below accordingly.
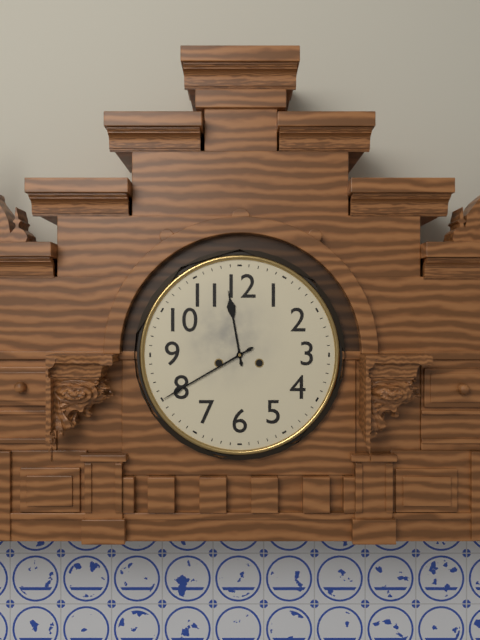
11h40
